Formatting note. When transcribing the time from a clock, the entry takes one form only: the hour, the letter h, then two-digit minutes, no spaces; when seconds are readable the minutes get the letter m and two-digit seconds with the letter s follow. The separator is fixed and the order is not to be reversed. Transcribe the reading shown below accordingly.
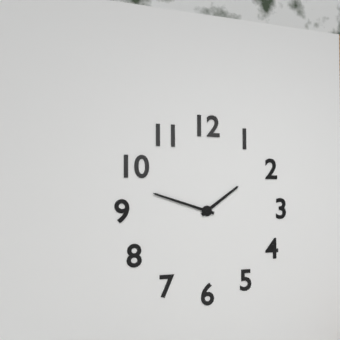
1h48
